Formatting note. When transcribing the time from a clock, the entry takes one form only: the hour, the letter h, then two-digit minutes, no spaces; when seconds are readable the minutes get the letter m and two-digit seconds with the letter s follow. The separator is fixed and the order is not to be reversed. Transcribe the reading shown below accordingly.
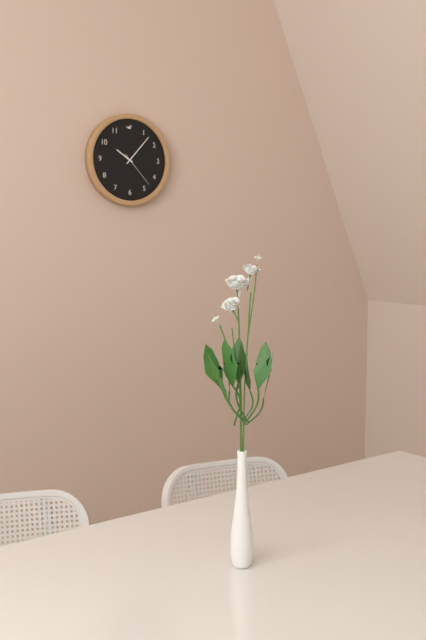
10h07
